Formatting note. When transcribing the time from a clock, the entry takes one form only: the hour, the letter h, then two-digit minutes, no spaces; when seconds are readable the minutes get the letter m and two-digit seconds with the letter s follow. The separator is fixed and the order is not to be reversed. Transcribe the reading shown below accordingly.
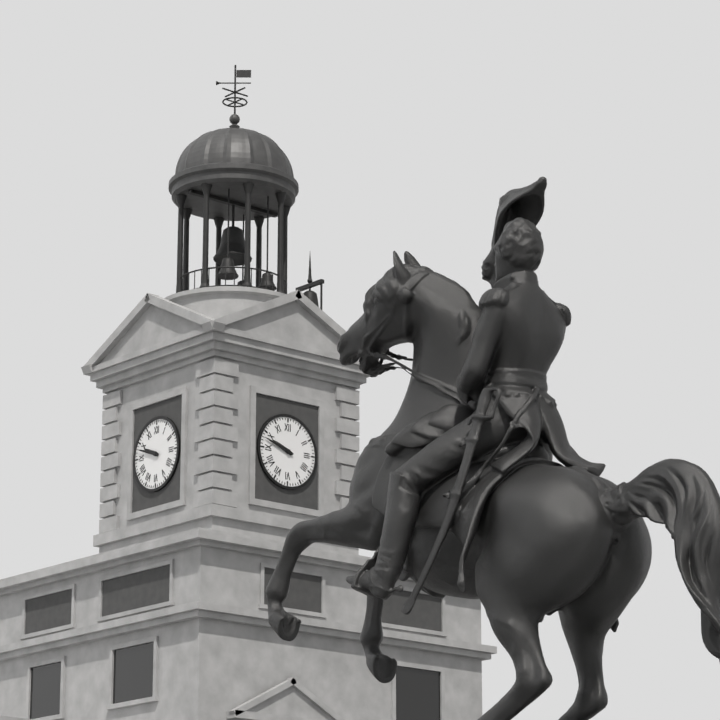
9h48
